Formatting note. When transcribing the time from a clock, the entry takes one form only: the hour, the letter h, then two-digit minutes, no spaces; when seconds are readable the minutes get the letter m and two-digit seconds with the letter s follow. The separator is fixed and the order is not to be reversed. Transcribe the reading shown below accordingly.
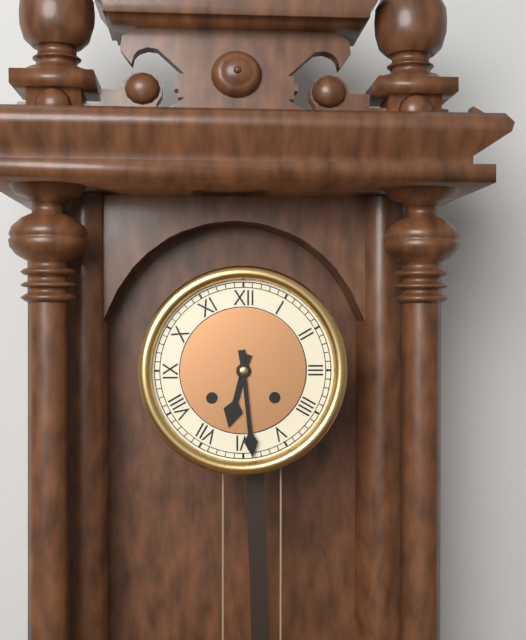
6h29
